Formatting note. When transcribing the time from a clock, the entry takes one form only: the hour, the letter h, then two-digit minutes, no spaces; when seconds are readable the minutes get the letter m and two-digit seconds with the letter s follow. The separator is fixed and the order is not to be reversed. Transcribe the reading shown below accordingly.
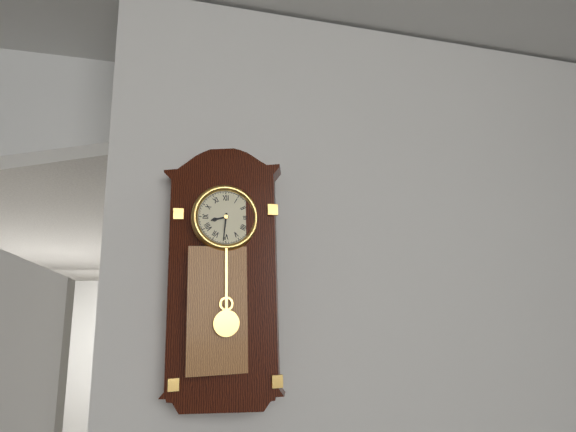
8h31
